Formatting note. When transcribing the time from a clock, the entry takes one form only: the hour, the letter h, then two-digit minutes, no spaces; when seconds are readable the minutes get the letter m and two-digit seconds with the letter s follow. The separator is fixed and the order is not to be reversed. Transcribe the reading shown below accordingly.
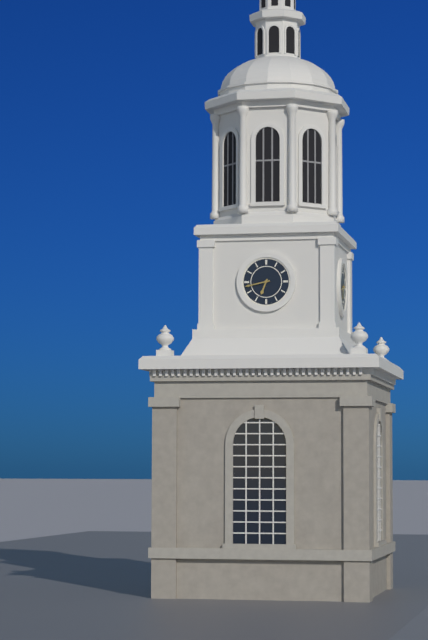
6h43
